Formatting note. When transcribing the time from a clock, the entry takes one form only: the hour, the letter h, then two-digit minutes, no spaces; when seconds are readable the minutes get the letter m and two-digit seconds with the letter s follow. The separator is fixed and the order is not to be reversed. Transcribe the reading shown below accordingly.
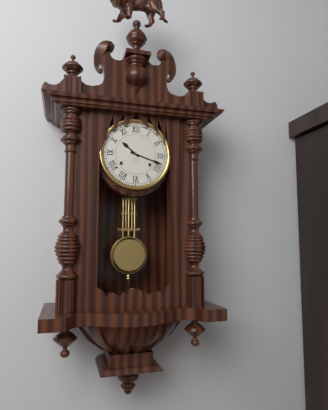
10h18
